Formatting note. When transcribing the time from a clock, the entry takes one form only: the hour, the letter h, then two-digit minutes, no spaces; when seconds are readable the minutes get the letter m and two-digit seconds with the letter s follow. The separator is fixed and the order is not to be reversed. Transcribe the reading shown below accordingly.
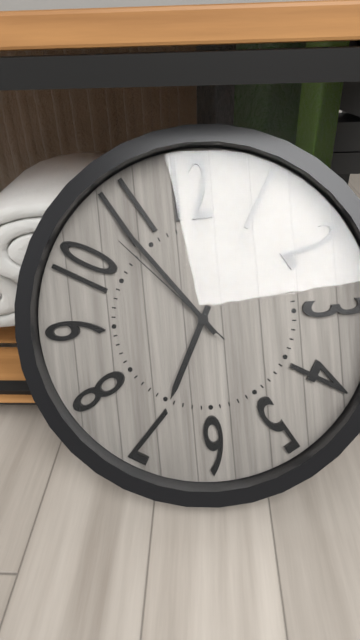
6h54m53s
